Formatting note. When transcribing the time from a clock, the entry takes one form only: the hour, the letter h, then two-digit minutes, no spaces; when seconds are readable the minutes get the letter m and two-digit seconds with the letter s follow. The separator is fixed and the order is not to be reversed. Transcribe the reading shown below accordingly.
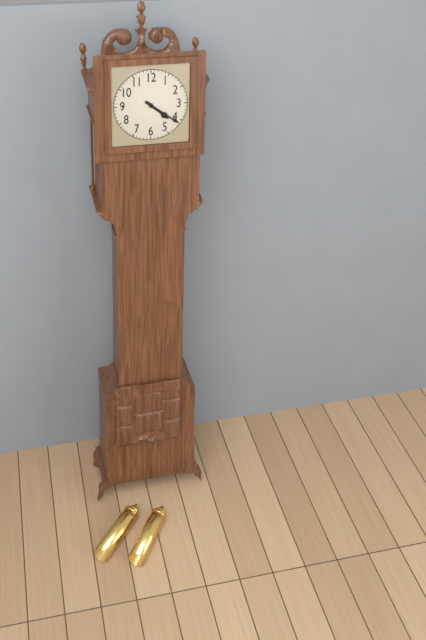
4h21
